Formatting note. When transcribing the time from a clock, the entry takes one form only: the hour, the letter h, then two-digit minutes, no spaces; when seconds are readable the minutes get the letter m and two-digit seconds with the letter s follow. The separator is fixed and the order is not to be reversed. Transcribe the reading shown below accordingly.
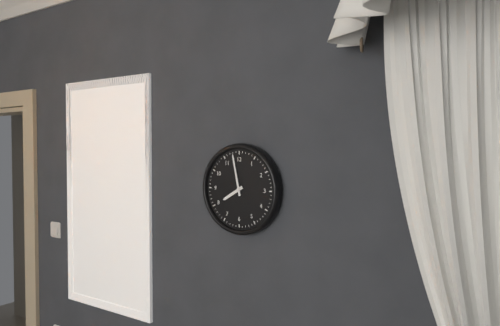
7h58
